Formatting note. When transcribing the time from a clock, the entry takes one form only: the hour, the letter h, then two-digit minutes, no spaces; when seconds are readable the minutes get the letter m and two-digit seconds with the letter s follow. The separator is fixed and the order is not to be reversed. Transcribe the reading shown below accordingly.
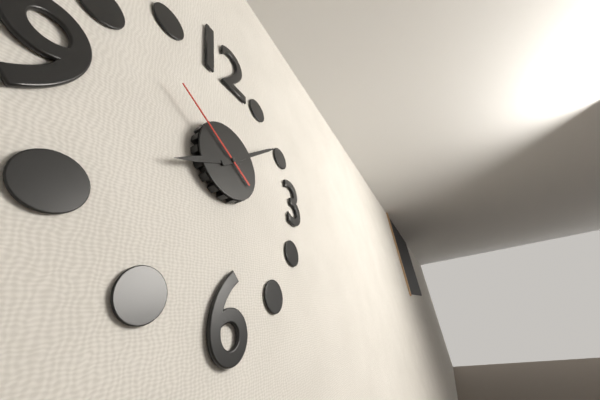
8h09m51s
